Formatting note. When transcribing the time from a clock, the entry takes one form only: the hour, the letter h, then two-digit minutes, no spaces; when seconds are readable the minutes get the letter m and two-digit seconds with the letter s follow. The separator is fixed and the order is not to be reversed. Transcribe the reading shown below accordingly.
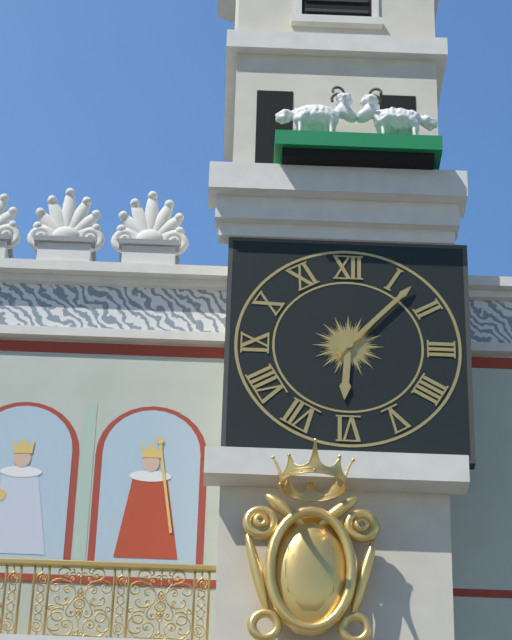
6h07
